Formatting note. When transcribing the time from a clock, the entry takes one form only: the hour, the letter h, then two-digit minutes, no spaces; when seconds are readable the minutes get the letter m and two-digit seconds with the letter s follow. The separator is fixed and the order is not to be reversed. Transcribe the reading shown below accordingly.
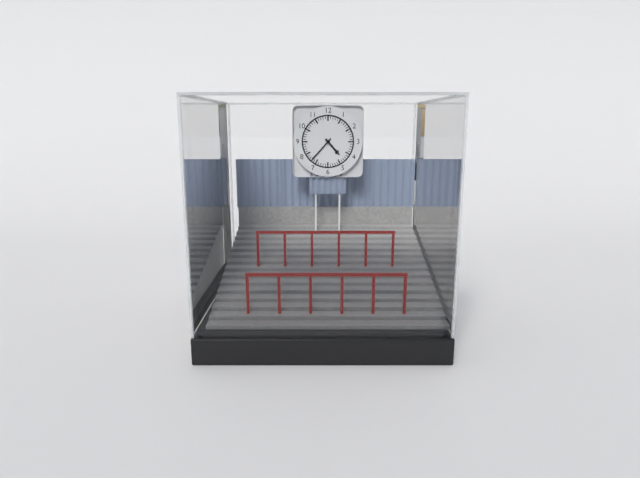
4h37
